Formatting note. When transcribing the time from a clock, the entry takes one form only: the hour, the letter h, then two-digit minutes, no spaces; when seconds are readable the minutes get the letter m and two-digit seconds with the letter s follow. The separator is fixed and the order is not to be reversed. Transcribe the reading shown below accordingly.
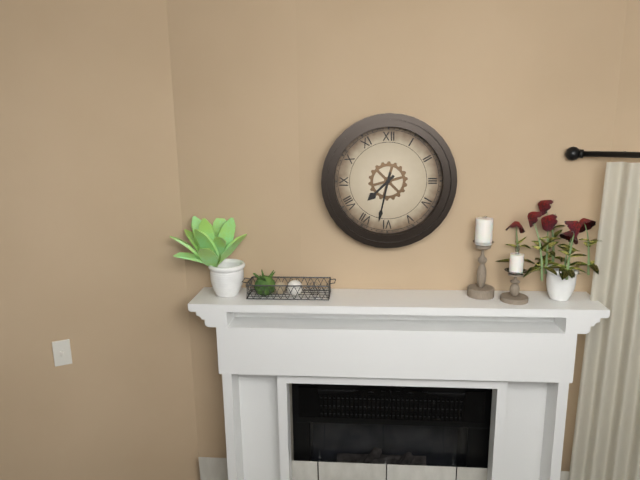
7h32
